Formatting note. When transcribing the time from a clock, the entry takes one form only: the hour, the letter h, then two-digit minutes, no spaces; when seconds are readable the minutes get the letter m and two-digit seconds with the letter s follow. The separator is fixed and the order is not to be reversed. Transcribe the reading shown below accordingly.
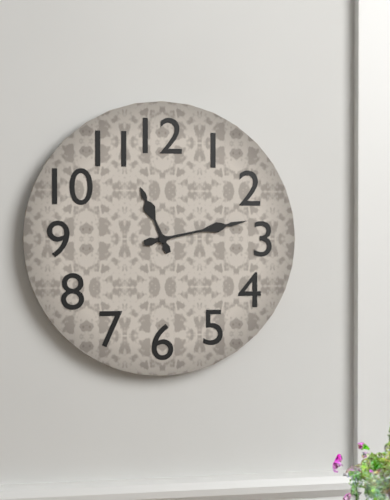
11h13
